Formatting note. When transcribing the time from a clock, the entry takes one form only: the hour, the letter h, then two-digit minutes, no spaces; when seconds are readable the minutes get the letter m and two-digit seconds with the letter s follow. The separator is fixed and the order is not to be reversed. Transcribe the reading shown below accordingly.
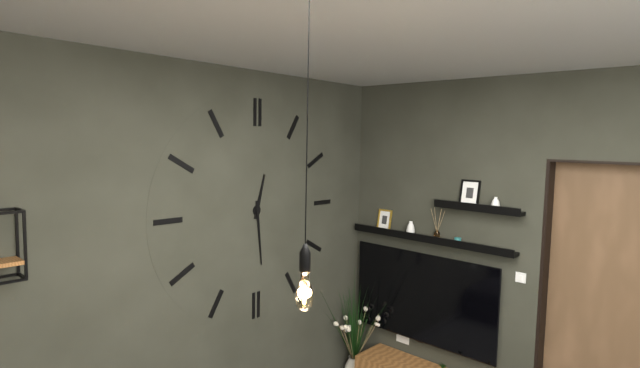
12h29
